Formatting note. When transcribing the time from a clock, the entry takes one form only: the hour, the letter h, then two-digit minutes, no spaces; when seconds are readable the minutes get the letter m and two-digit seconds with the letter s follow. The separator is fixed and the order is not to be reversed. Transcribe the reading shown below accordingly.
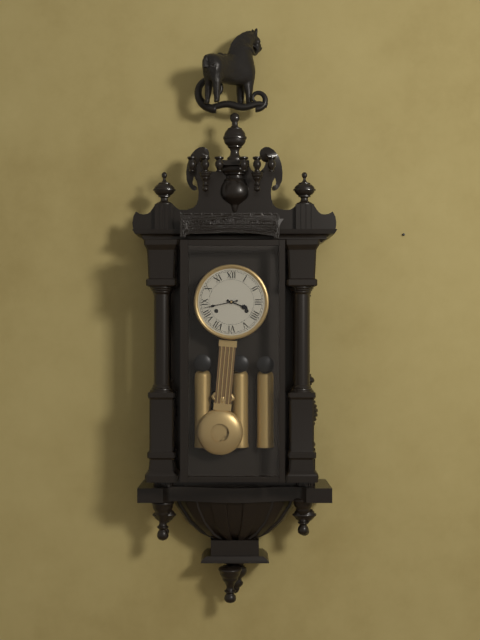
3h43
